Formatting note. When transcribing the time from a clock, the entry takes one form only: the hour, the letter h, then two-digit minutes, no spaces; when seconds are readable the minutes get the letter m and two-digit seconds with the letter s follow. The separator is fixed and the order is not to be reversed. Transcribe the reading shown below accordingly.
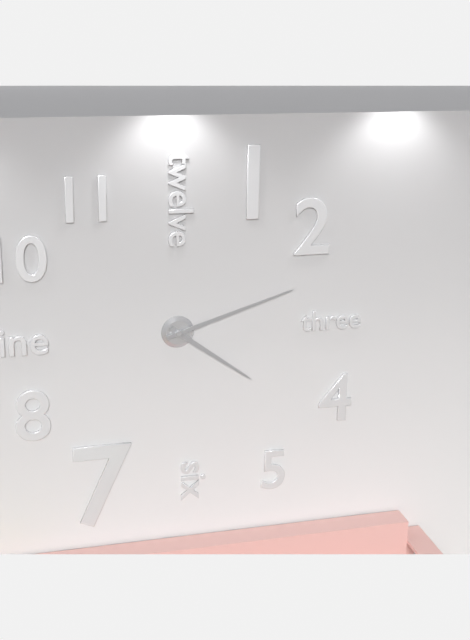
4h12
